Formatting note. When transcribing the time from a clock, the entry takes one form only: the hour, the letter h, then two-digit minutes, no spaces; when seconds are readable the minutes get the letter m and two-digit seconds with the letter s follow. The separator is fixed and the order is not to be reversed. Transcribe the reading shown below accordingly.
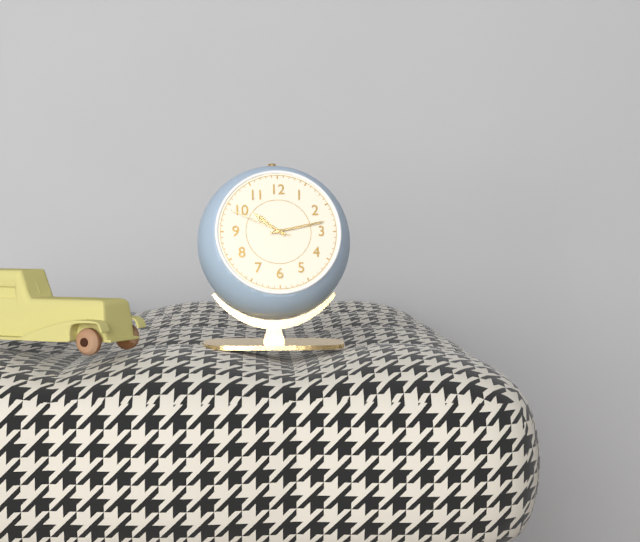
10h13m49s
